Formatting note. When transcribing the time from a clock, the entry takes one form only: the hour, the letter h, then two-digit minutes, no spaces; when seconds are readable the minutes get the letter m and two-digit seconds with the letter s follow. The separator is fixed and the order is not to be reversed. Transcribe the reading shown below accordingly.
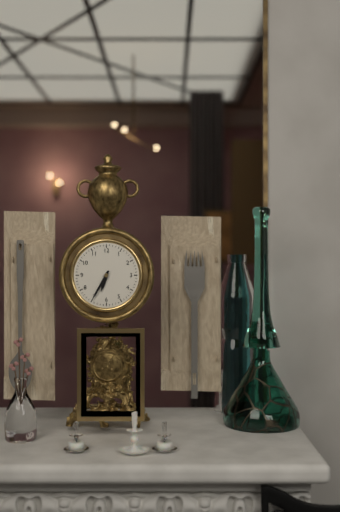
6h35
